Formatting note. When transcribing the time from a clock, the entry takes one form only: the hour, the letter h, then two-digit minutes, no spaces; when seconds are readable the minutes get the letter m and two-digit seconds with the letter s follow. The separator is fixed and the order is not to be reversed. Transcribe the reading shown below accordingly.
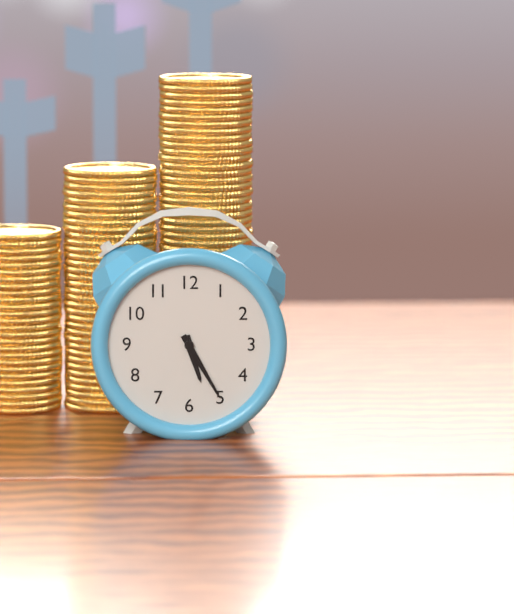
5h25
